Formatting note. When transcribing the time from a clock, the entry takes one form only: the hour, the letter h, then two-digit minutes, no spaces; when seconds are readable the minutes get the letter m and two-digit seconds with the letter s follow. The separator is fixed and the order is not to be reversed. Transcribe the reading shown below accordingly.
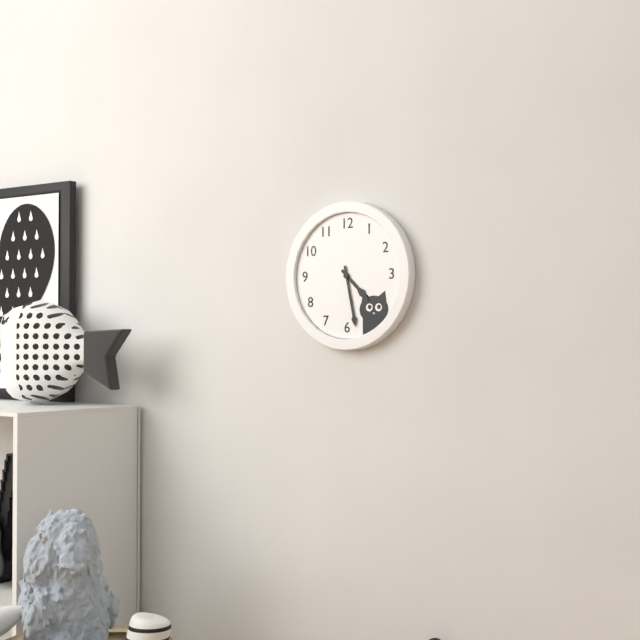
4h28
